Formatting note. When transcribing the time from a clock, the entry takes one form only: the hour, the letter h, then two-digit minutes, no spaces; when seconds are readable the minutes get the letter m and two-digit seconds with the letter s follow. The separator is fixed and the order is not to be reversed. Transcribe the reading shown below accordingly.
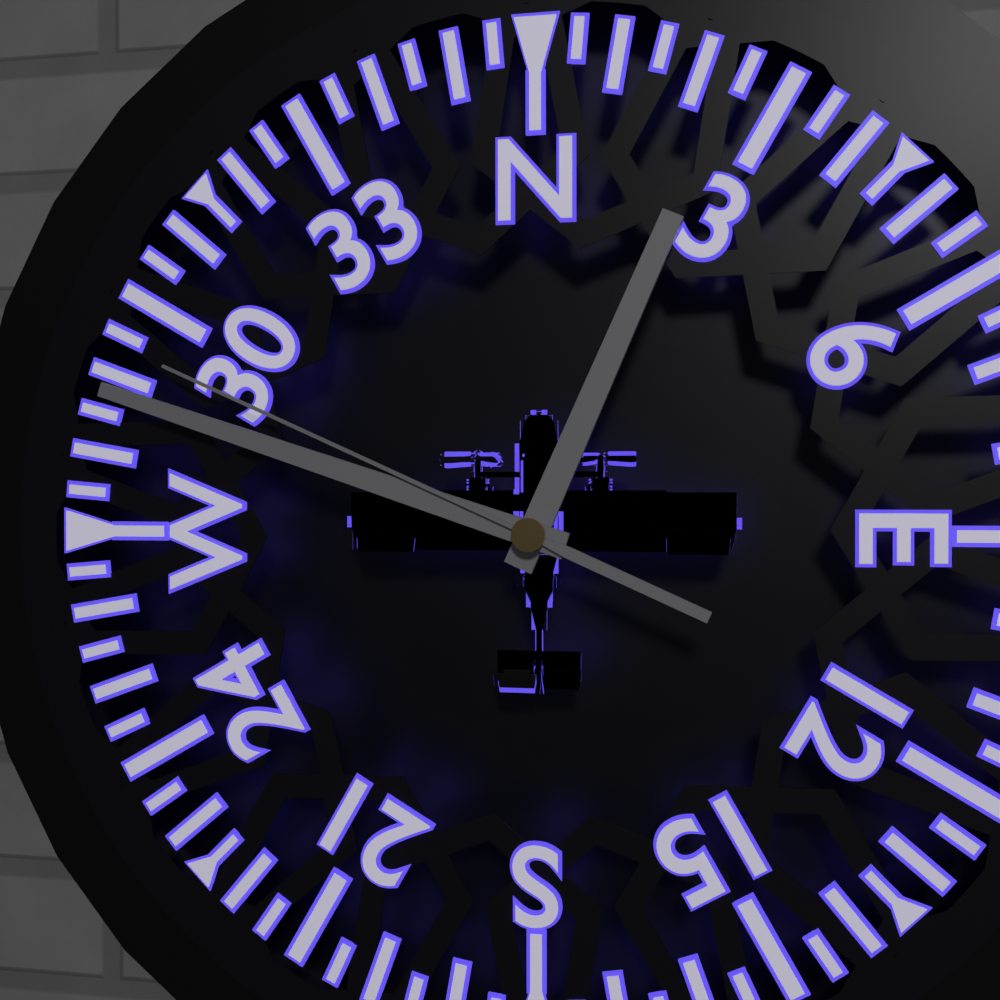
12h48m49s
